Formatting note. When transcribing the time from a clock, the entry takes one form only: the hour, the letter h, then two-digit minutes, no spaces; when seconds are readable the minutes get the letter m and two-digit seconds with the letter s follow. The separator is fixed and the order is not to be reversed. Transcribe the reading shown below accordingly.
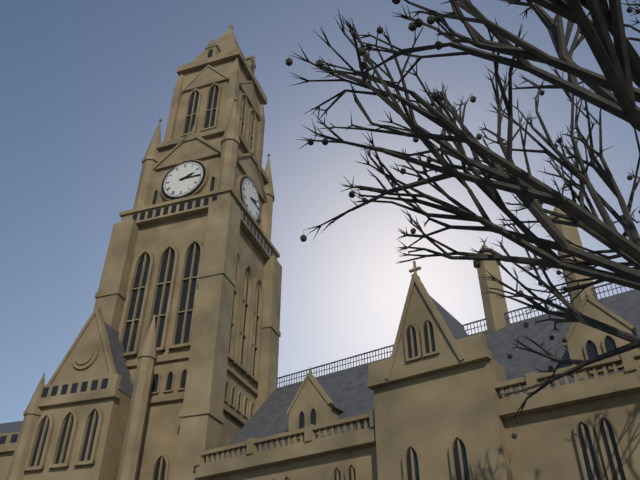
2h15
